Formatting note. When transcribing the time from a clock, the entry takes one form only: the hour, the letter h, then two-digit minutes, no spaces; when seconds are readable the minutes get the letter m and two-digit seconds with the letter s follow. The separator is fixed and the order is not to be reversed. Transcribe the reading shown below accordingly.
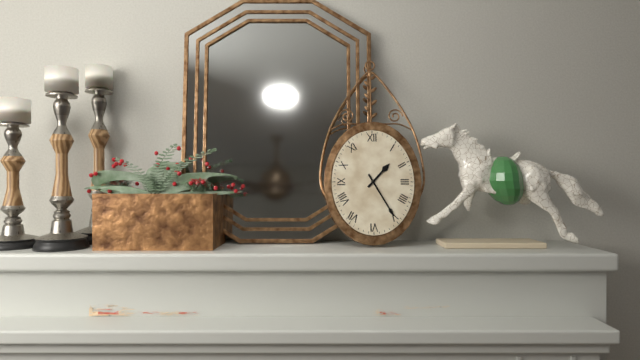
1h25
